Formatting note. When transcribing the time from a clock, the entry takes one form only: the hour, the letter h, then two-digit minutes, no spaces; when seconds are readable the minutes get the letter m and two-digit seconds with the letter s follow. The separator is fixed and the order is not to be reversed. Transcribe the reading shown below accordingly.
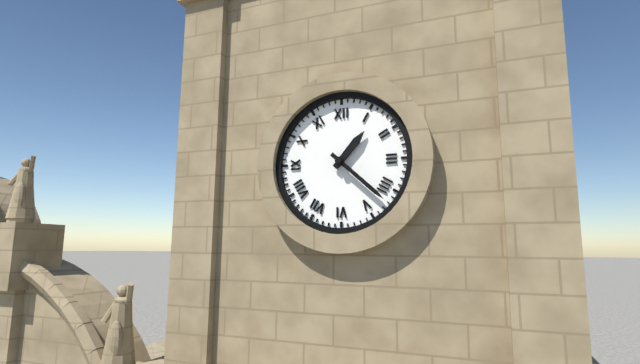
1h22
